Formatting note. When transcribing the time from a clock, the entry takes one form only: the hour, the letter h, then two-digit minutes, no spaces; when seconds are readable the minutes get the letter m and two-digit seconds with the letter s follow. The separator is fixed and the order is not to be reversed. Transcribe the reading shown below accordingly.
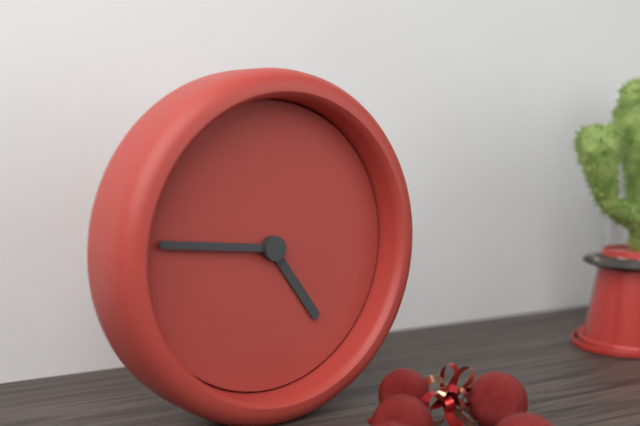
4h46
